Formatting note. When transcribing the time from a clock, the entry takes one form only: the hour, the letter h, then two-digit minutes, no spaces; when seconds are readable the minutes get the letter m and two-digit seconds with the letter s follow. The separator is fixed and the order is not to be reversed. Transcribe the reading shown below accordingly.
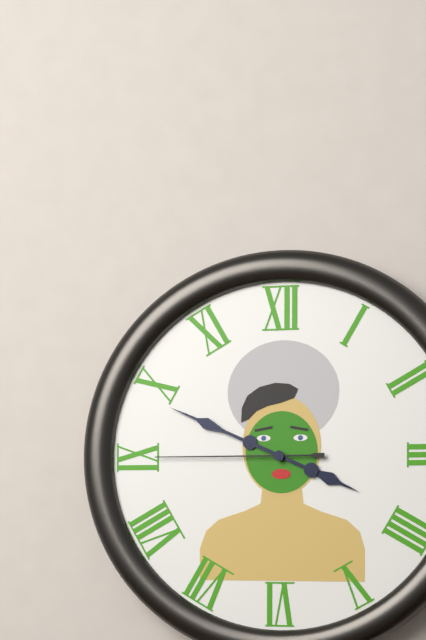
3h49m45s
